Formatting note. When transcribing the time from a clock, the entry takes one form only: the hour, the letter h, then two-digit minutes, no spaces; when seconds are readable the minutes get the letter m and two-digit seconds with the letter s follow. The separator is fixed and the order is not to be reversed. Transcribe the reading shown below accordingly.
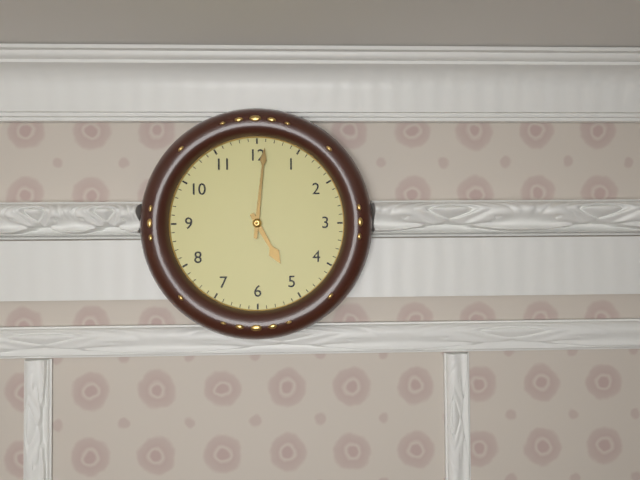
5h01
